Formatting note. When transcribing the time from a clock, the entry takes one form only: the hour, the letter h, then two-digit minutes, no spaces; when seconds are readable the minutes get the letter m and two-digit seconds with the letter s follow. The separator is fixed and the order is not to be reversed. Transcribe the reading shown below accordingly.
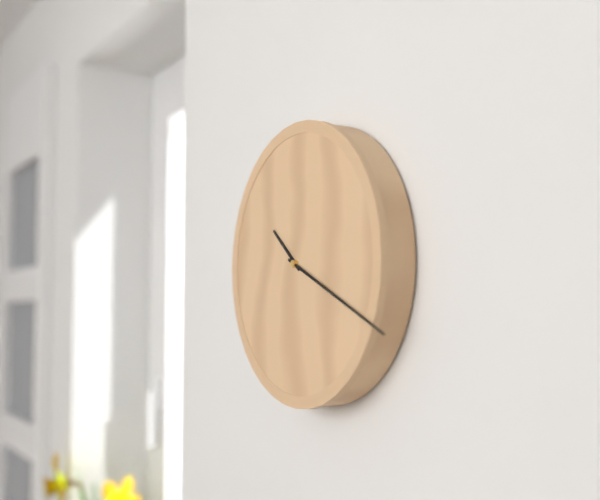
10h19
